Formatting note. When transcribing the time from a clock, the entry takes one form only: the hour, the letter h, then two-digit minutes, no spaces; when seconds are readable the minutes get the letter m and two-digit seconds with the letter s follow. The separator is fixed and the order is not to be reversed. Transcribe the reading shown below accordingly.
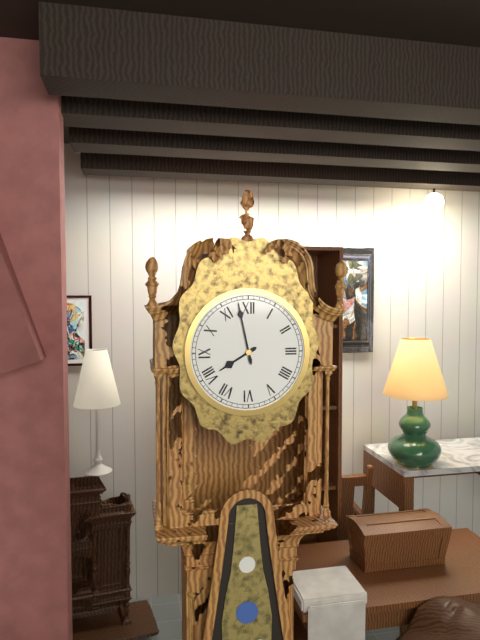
7h58
